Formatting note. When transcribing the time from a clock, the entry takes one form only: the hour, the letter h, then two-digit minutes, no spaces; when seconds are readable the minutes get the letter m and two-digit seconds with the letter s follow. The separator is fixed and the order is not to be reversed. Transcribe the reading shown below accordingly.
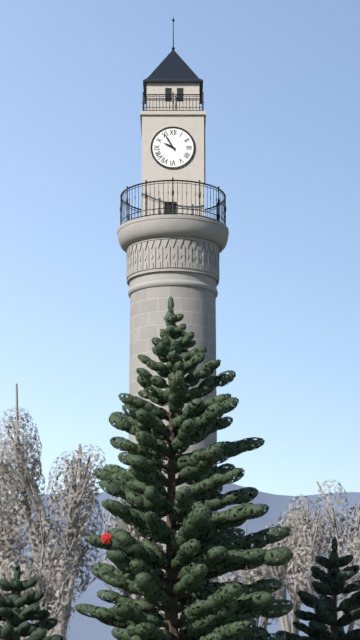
9h55
